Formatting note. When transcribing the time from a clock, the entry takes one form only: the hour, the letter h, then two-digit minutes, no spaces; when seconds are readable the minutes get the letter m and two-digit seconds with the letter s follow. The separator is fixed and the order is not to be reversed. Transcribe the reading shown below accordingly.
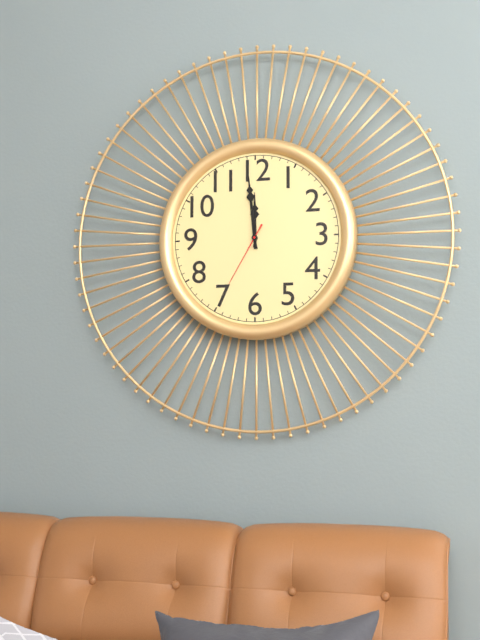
11h59m35s
